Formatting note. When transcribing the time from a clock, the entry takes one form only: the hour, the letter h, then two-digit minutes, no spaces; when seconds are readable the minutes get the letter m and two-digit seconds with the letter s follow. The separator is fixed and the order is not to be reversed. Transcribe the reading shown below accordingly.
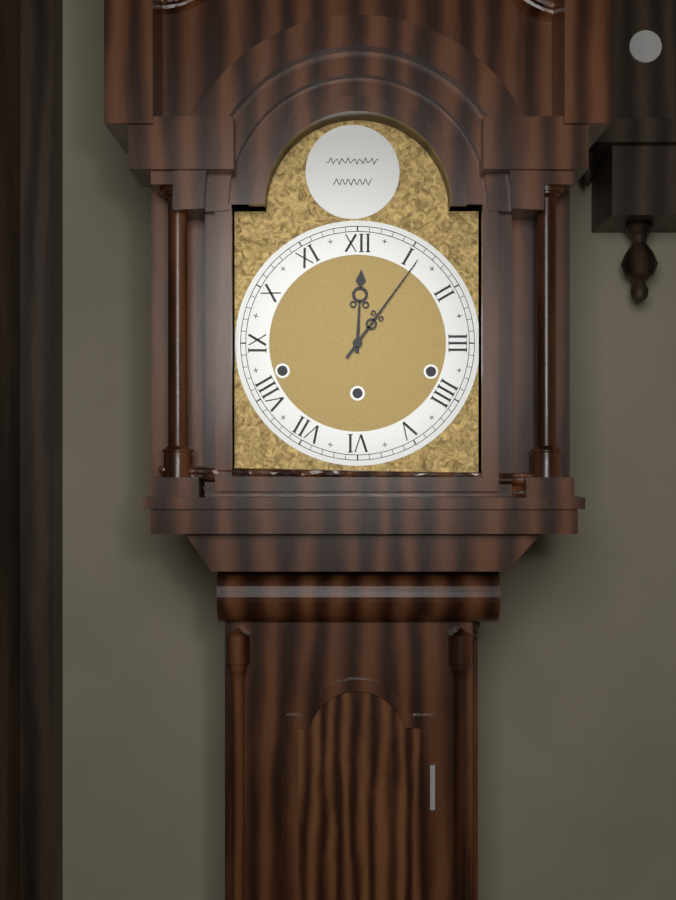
12h06
